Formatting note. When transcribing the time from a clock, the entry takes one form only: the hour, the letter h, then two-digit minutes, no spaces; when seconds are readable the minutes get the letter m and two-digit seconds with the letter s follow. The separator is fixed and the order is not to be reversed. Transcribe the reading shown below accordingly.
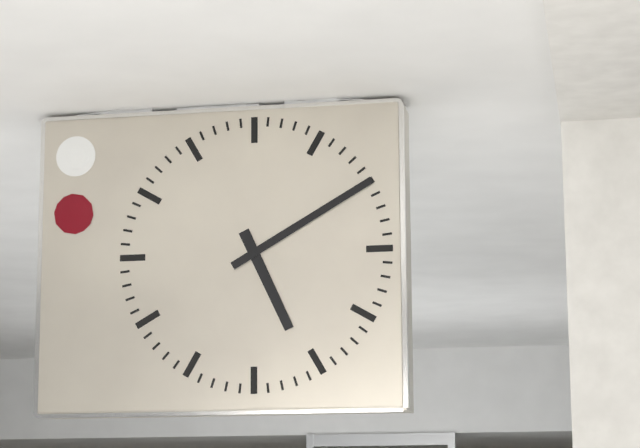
5h10
